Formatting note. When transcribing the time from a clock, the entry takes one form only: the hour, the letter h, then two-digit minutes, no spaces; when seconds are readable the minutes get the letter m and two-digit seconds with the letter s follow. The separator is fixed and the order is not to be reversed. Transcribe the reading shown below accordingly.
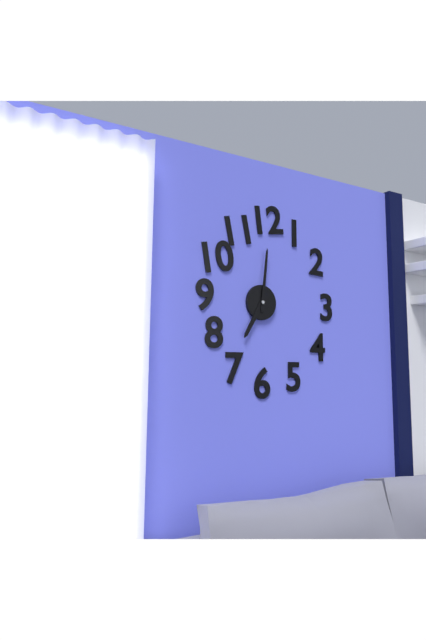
7h01
